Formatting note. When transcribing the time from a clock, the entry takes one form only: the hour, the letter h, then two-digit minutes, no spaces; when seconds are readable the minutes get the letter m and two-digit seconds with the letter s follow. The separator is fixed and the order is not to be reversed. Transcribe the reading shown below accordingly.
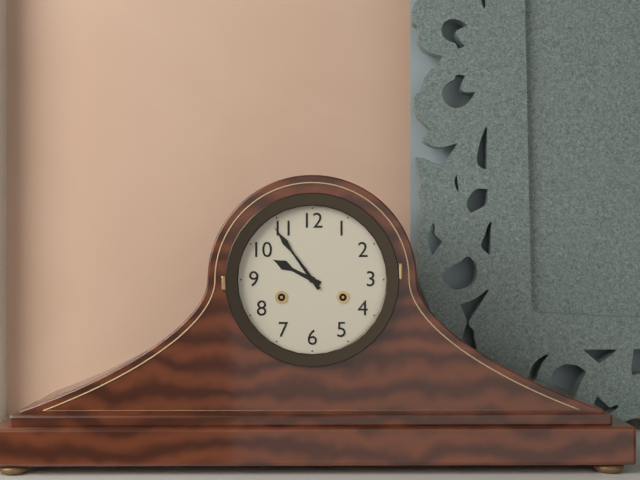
9h54
